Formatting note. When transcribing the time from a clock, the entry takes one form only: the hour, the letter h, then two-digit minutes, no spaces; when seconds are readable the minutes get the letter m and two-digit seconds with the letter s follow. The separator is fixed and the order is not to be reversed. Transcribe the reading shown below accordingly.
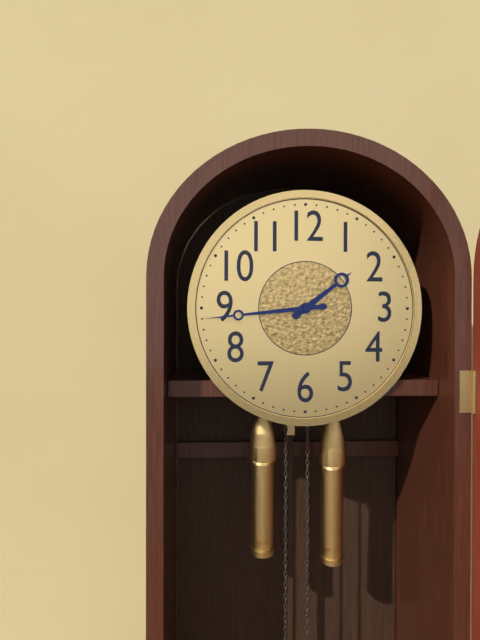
1h44
